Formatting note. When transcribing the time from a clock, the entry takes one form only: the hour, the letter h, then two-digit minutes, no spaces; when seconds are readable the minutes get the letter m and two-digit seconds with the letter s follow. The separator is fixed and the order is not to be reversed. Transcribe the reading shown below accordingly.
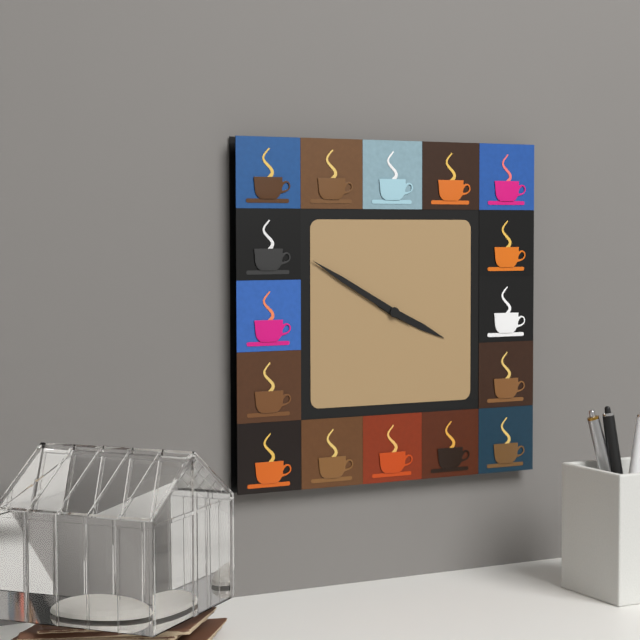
3h50
